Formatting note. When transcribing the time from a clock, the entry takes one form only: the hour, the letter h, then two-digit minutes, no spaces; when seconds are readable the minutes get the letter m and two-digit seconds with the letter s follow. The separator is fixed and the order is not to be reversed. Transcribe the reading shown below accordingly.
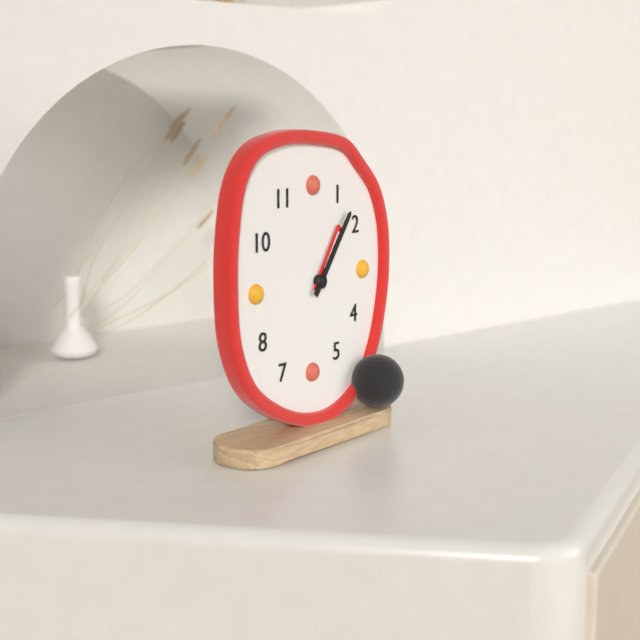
1h06
